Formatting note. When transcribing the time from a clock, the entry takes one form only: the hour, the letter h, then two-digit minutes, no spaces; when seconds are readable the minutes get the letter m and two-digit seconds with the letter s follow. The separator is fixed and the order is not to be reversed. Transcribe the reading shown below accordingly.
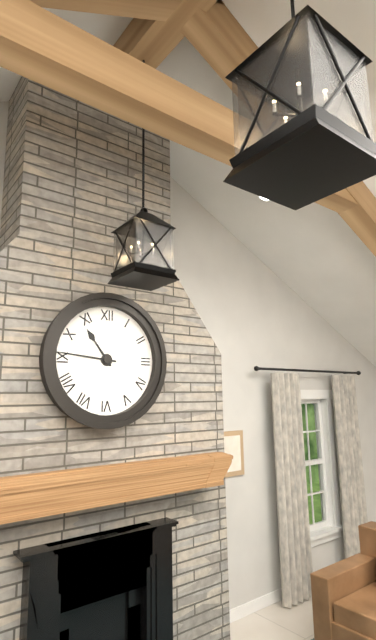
10h46
